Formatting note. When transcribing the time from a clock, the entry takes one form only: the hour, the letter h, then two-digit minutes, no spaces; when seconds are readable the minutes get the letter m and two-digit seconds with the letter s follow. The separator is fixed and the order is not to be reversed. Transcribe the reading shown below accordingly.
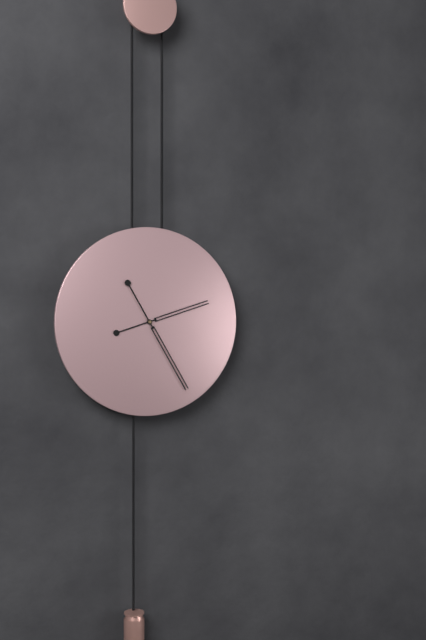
2h25
